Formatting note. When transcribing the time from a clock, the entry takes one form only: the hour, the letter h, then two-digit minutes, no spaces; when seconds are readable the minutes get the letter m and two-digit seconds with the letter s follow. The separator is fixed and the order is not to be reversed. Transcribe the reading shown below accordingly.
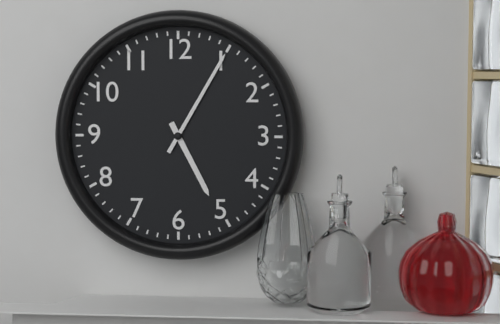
5h05
